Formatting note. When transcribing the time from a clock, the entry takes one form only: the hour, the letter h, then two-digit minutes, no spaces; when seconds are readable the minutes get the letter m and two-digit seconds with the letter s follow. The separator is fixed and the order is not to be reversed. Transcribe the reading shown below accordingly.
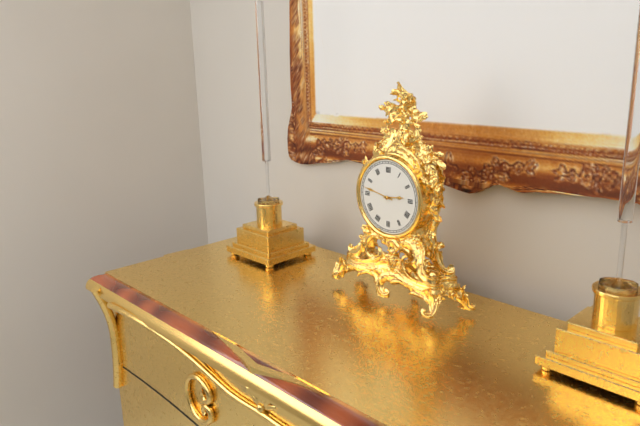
2h47
